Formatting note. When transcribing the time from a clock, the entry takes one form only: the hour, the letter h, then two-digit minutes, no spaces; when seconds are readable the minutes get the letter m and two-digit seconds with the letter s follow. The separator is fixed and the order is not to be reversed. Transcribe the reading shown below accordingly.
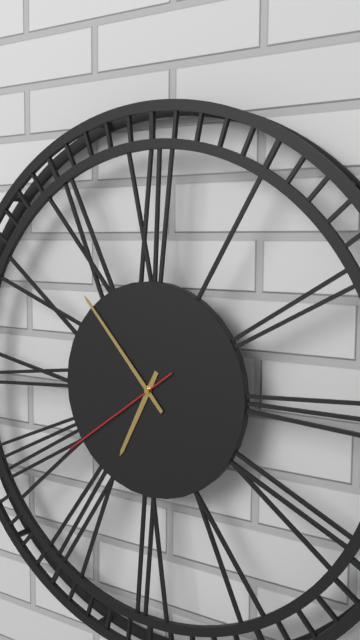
6h53m39s
